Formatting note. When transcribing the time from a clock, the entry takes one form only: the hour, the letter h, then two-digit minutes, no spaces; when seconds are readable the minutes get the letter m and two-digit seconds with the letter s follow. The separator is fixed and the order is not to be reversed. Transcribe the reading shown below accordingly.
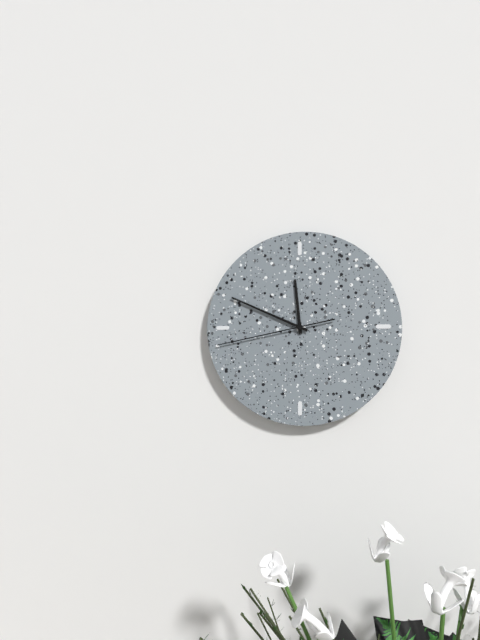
11h49m43s
